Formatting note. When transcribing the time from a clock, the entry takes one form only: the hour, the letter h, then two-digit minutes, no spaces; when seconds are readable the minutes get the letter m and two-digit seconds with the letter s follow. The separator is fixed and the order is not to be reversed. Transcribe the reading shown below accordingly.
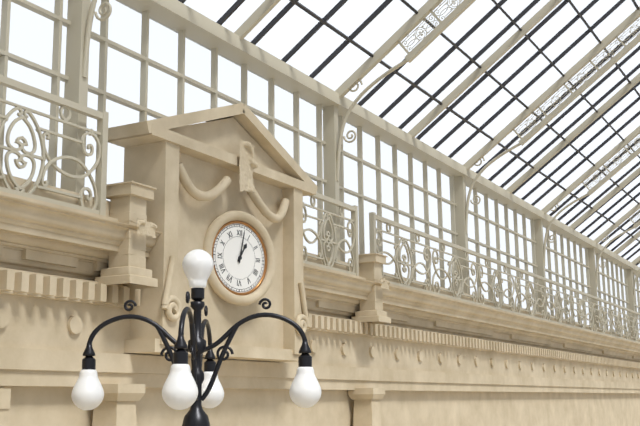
1h02
